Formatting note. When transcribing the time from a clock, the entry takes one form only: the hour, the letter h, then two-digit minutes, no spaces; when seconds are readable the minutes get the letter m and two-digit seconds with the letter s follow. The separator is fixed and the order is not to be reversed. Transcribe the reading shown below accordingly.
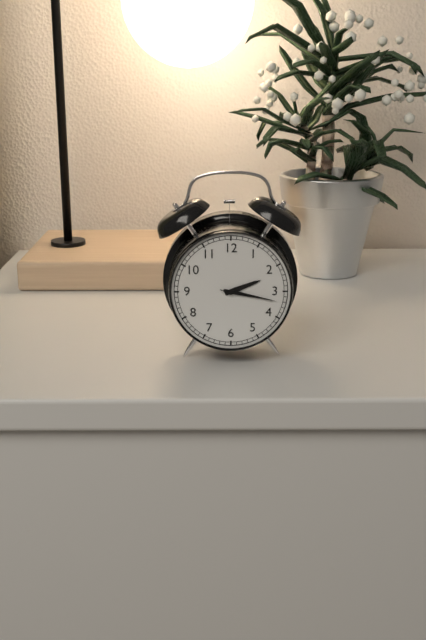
2h17m17s
